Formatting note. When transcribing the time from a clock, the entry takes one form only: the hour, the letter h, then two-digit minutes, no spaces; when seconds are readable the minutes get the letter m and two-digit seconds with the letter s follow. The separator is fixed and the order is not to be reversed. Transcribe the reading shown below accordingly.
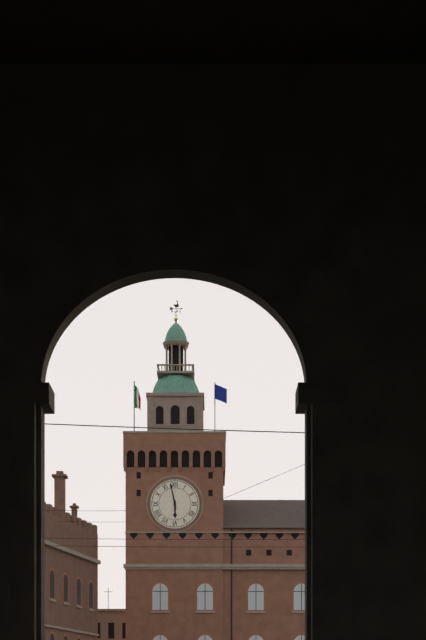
5h58
